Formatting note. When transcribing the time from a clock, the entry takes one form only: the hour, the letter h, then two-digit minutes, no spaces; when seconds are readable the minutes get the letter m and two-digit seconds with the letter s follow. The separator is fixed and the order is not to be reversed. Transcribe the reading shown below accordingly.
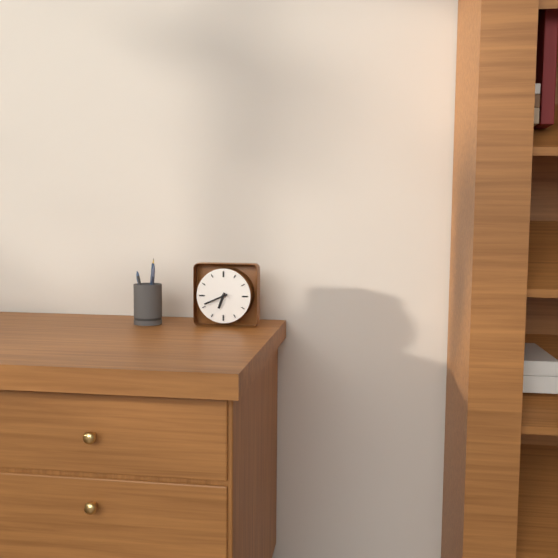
6h41
